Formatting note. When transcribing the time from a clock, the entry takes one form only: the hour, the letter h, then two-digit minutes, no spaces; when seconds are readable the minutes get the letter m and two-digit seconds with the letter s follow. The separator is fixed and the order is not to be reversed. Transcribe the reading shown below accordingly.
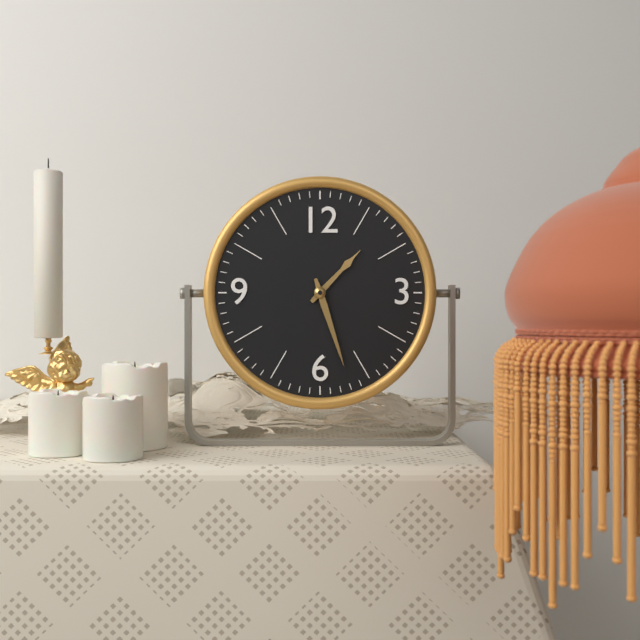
1h27
